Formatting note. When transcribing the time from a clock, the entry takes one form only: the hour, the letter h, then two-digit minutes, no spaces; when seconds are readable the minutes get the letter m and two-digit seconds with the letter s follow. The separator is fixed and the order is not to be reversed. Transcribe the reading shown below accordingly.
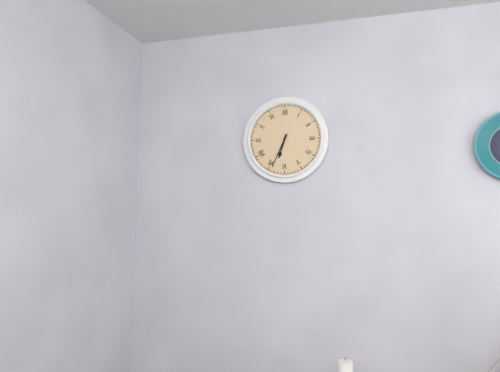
6h34
